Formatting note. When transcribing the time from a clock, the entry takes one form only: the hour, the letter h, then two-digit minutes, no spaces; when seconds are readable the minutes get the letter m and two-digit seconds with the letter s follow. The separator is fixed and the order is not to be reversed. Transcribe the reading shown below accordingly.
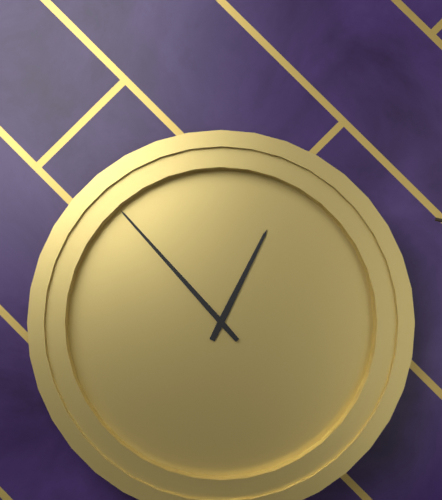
12h53
